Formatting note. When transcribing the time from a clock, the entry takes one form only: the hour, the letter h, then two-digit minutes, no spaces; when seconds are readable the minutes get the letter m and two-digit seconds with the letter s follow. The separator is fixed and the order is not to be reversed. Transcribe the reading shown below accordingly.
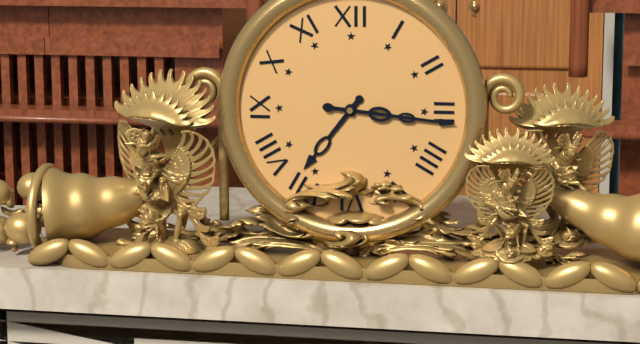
7h16
